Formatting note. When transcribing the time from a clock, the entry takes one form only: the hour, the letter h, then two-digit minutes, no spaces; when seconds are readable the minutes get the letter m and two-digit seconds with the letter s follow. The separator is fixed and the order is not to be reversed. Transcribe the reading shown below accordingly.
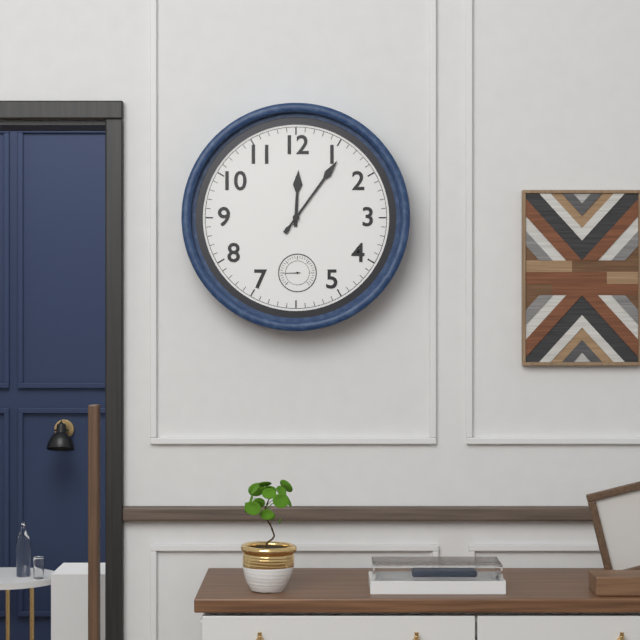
12h06
